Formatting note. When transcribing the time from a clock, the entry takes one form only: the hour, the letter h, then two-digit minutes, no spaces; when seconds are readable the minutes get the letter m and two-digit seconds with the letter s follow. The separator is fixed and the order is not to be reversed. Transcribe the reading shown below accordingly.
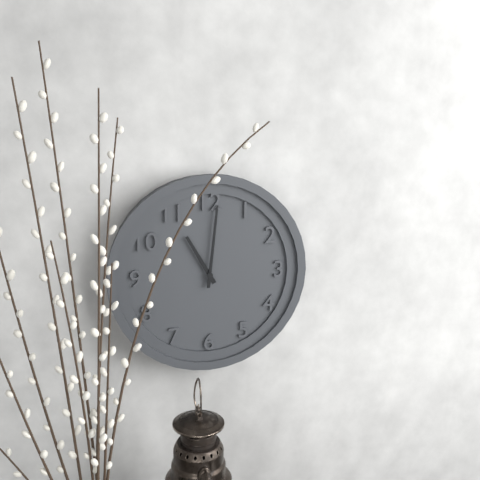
11h01
